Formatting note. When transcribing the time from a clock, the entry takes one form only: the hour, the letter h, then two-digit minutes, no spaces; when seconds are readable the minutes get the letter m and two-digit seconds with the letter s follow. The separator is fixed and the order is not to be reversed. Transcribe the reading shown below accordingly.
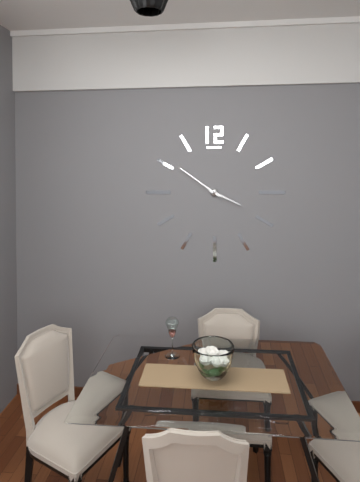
3h51
